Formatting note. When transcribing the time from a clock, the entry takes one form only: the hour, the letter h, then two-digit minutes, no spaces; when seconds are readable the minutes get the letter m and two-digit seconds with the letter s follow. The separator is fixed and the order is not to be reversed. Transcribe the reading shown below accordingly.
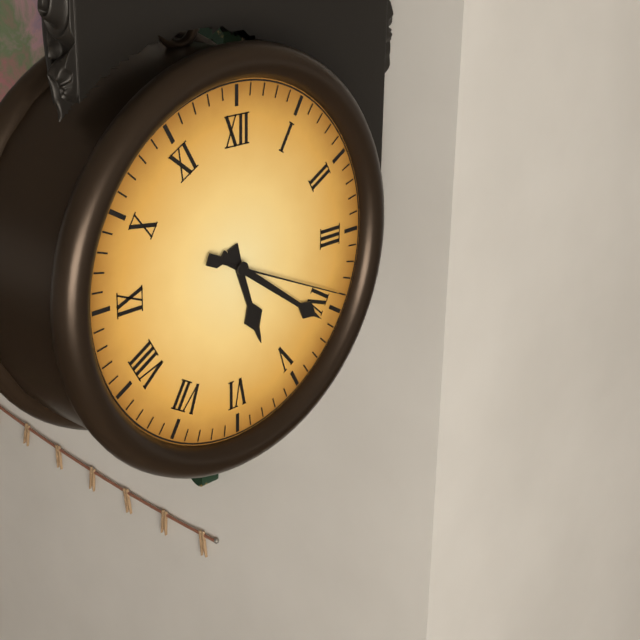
5h21m19s
